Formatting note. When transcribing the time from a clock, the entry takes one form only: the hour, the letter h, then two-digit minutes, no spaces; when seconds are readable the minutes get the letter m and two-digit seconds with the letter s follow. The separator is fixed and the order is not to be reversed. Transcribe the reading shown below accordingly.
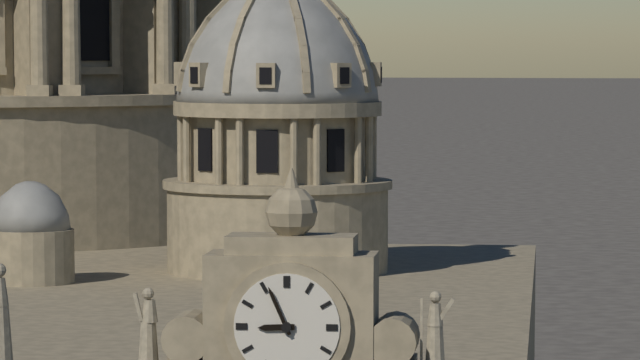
8h56
